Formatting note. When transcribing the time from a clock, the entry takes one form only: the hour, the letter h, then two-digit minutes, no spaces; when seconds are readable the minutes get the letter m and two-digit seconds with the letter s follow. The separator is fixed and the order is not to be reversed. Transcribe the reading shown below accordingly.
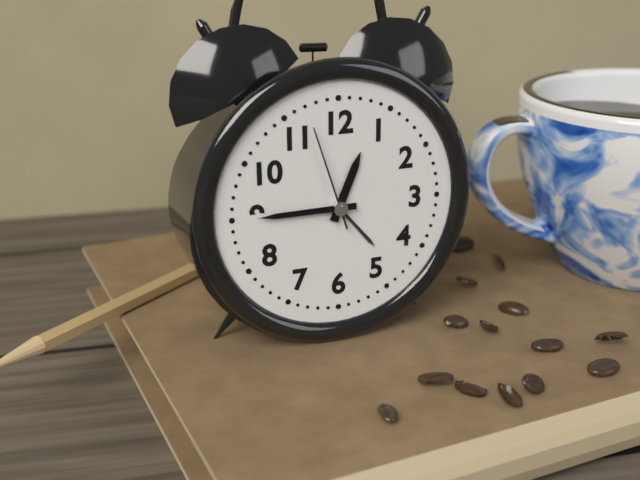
12h45m57s
